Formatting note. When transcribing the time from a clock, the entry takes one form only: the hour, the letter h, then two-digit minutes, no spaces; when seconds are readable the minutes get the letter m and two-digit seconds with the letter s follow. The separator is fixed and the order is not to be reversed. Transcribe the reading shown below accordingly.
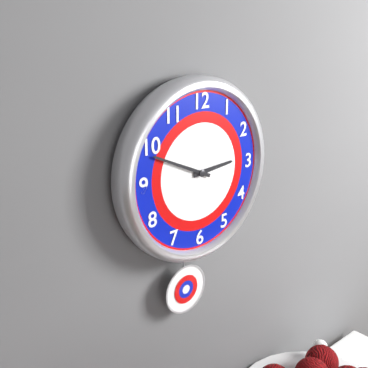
2h49
